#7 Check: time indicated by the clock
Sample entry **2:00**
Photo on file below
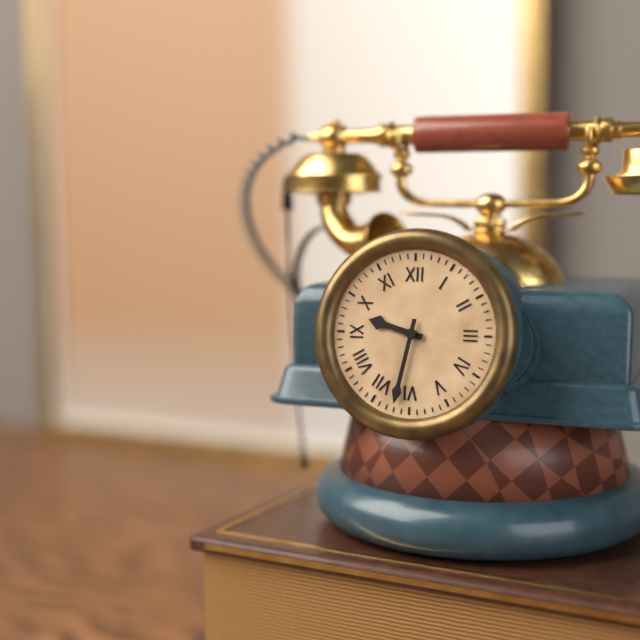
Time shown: **9:32**
